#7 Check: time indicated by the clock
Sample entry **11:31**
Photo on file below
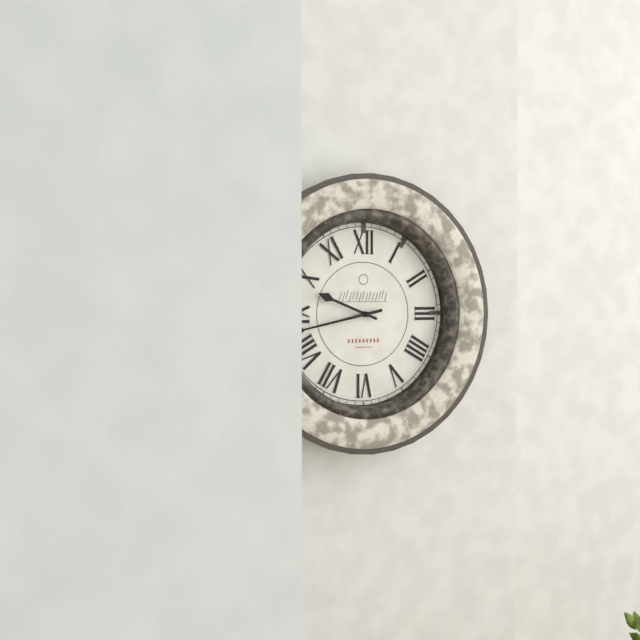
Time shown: **9:43**
